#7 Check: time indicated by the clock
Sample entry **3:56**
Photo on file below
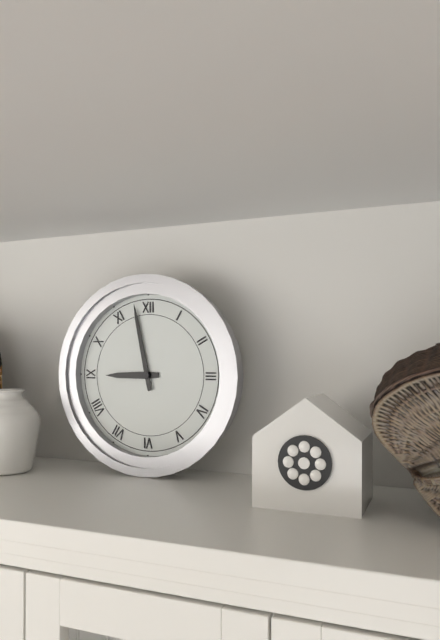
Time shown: **8:58**
